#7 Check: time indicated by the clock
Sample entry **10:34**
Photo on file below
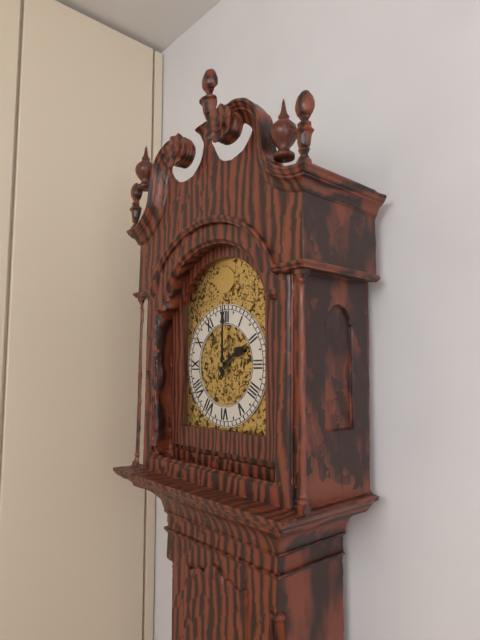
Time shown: **2:00**
